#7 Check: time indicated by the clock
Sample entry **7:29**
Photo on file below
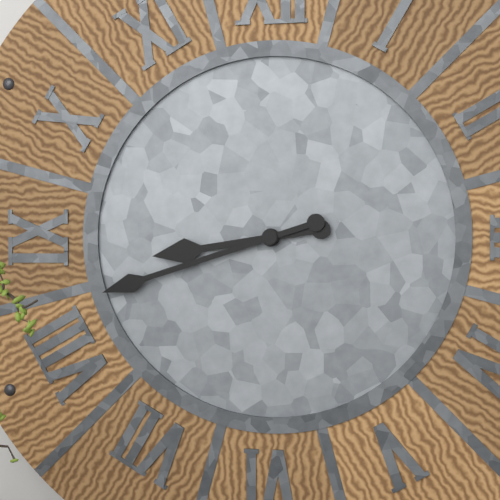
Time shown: **8:42**
